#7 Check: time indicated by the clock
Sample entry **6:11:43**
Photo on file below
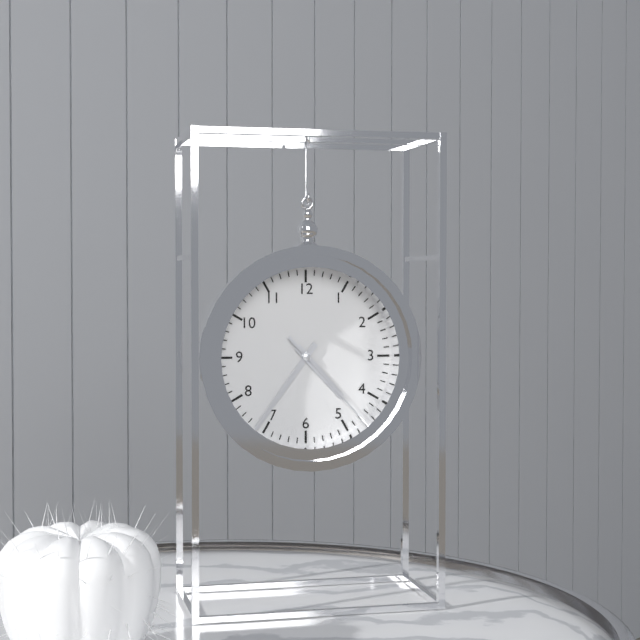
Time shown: **4:36:23**
